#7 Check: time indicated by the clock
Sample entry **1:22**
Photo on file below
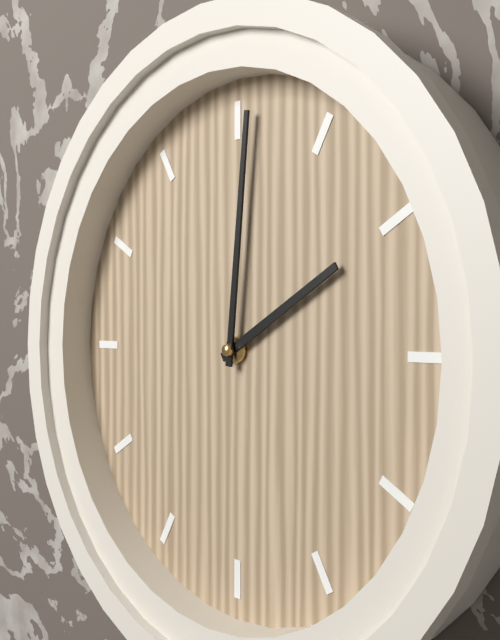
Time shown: **2:01**
